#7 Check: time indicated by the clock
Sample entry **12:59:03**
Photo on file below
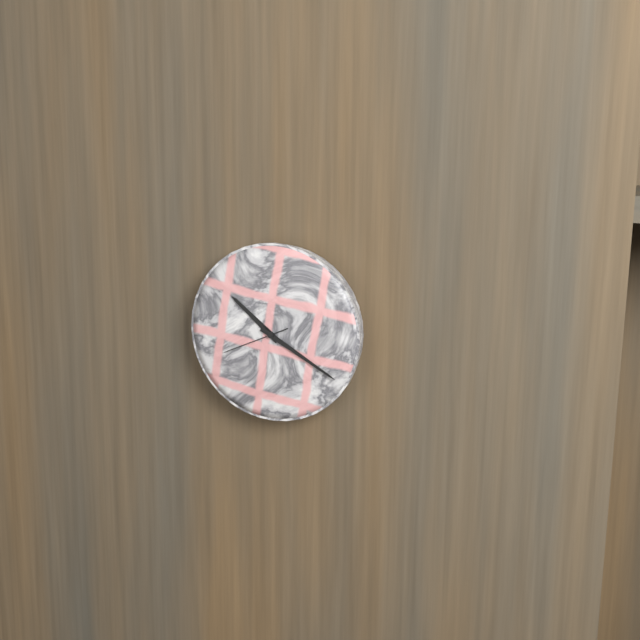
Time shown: **10:20:41**
